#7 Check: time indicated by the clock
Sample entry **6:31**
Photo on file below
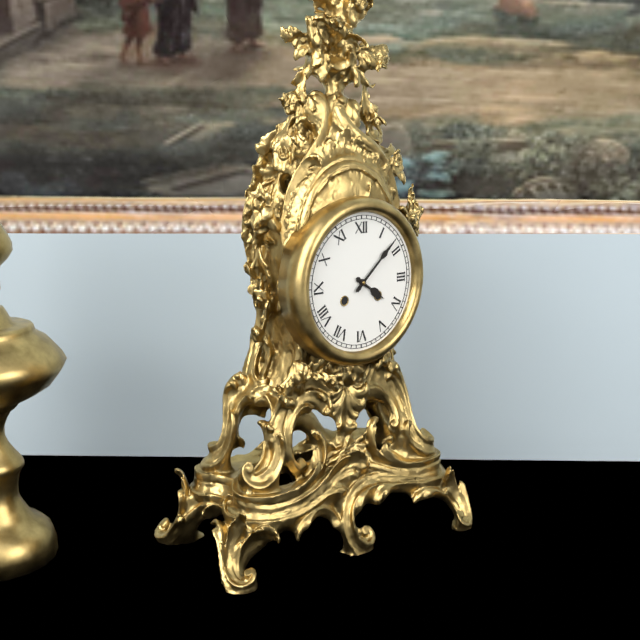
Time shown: **4:08**
